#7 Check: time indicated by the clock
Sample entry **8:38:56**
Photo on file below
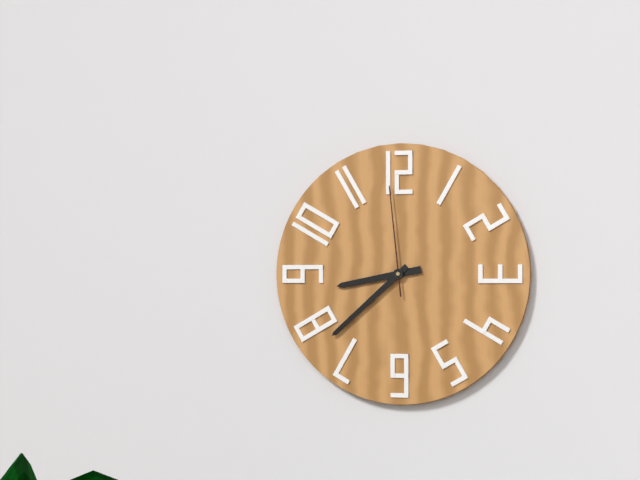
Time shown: **8:38:59**
